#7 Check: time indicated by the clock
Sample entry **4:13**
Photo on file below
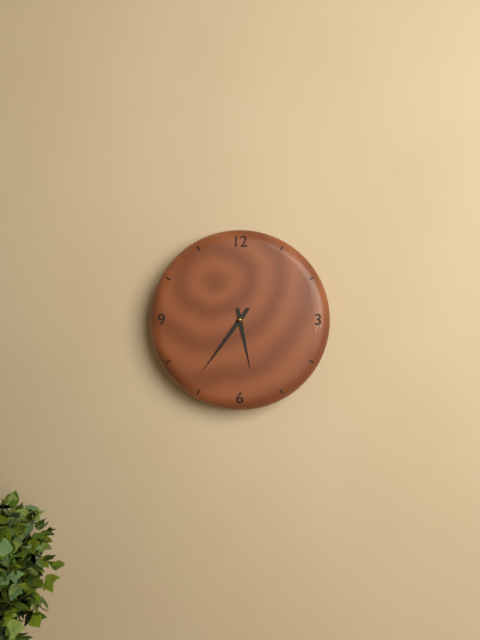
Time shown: **5:36**
